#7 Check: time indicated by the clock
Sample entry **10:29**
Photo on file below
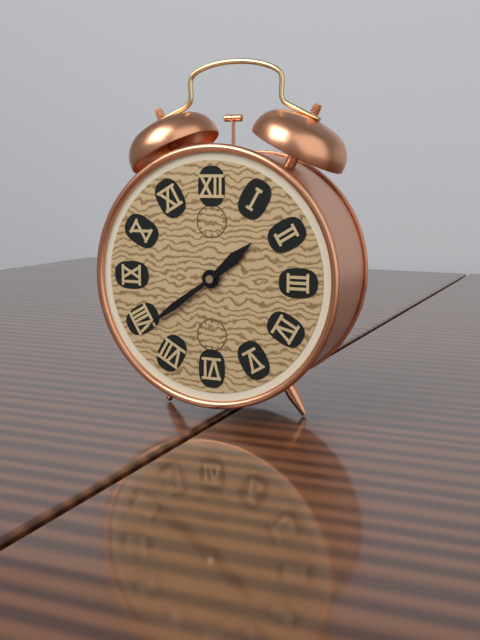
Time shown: **1:39**
